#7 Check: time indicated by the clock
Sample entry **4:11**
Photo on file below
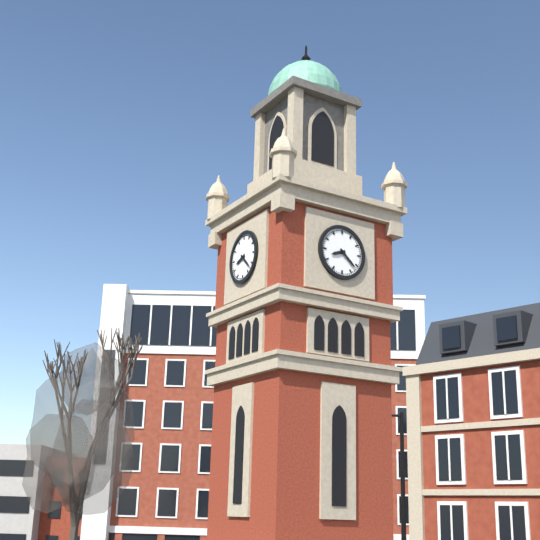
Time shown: **8:22**
